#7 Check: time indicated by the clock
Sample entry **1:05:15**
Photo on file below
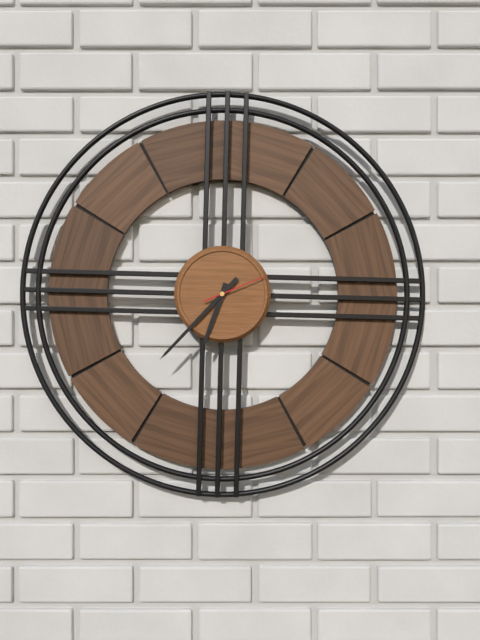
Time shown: **6:37:11**
